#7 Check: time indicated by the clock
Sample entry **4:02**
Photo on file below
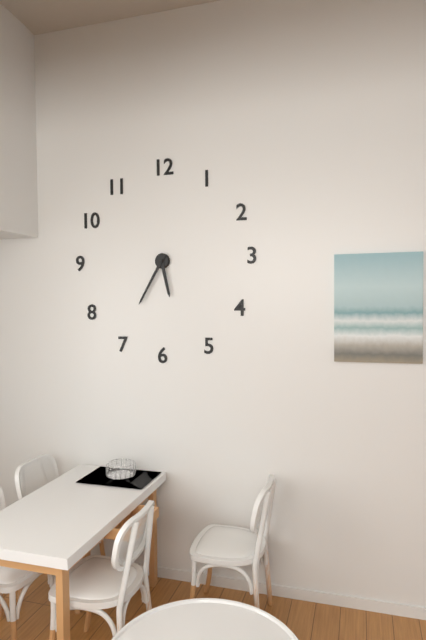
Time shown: **5:35**
